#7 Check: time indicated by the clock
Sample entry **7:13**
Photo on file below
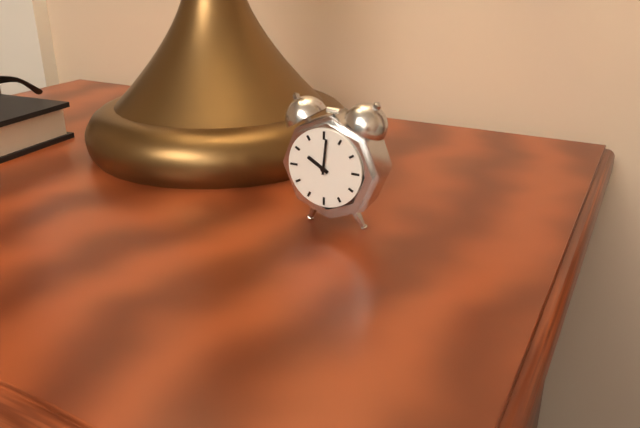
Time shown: **10:01**
